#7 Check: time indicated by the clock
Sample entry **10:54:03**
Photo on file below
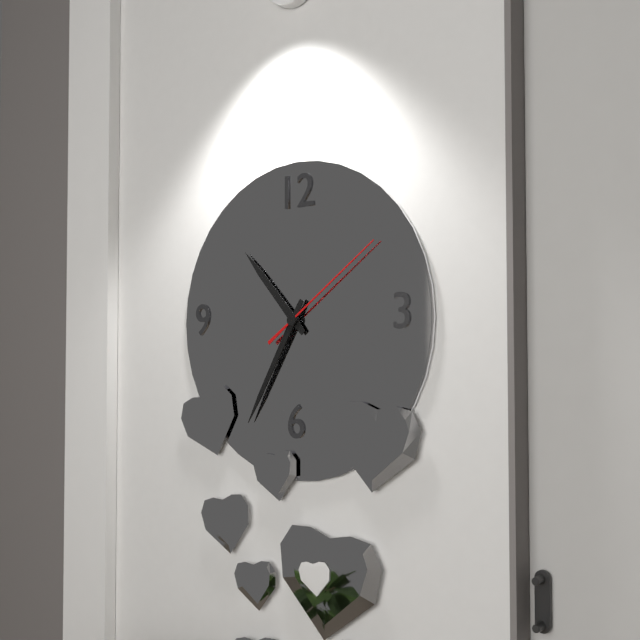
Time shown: **10:35:09**
